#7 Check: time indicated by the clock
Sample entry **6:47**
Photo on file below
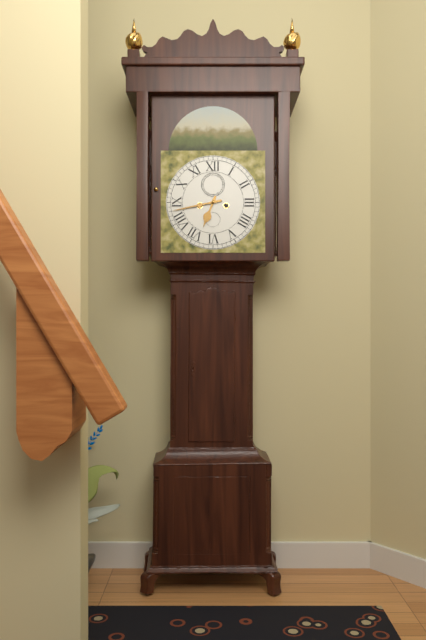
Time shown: **6:43**
